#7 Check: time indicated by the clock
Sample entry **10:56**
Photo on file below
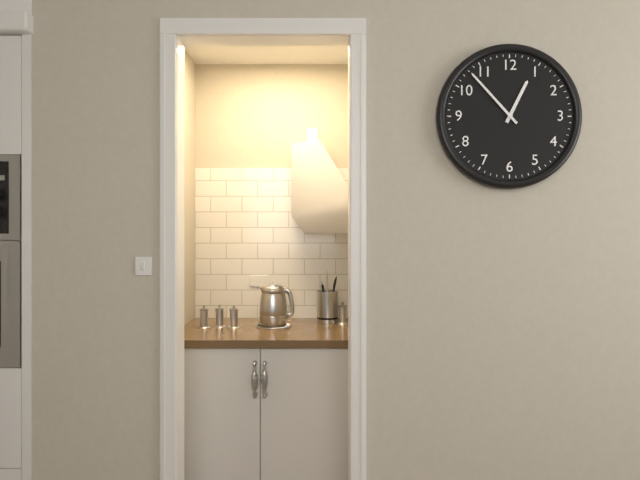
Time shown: **12:53**
